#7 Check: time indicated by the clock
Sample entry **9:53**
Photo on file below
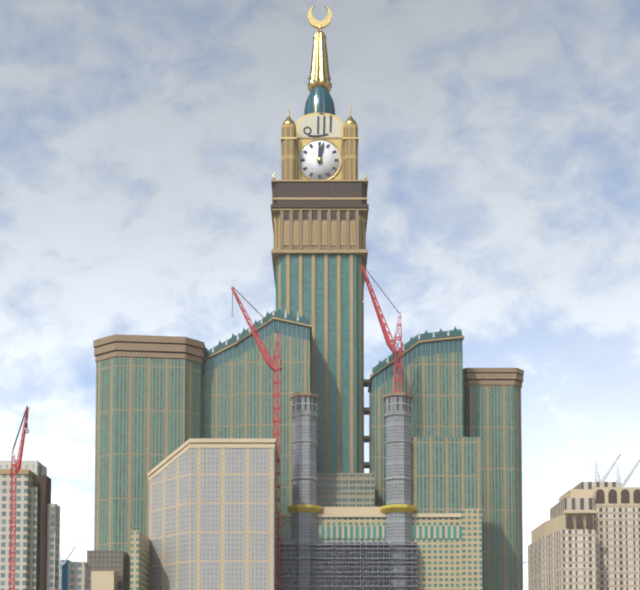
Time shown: **12:02**
